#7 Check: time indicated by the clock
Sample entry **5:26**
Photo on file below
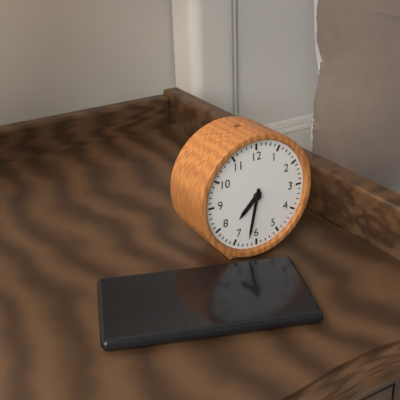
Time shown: **7:32**
